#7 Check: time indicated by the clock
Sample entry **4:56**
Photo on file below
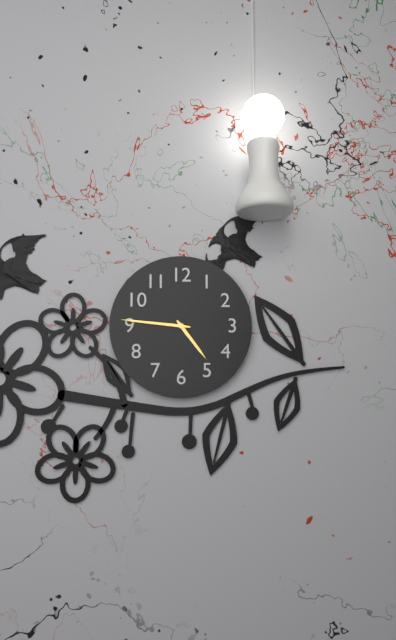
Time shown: **4:46**
